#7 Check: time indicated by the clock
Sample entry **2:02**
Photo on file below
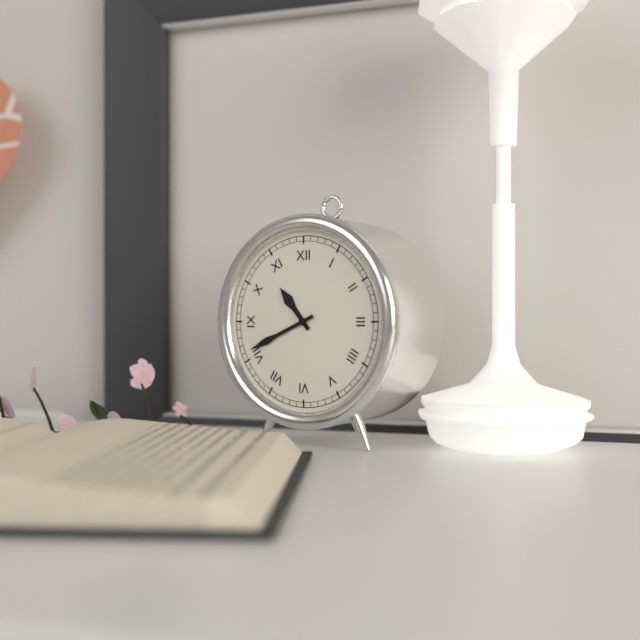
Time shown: **10:41**
